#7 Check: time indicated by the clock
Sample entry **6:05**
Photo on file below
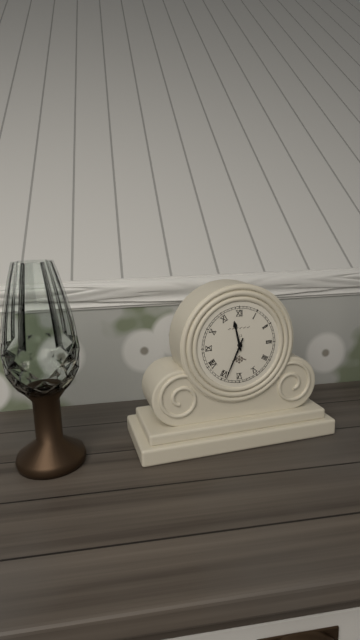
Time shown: **11:34**
